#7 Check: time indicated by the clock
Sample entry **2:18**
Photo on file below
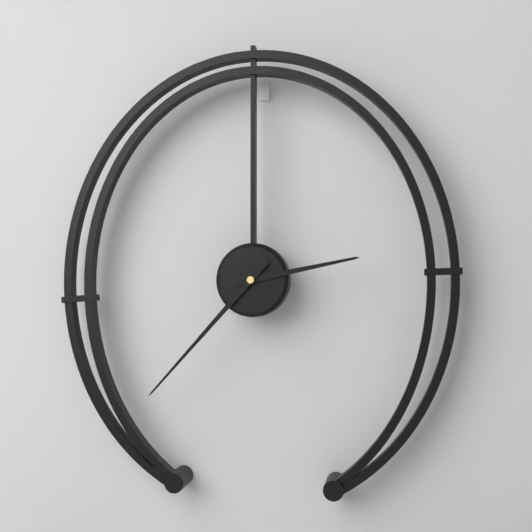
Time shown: **2:37**
